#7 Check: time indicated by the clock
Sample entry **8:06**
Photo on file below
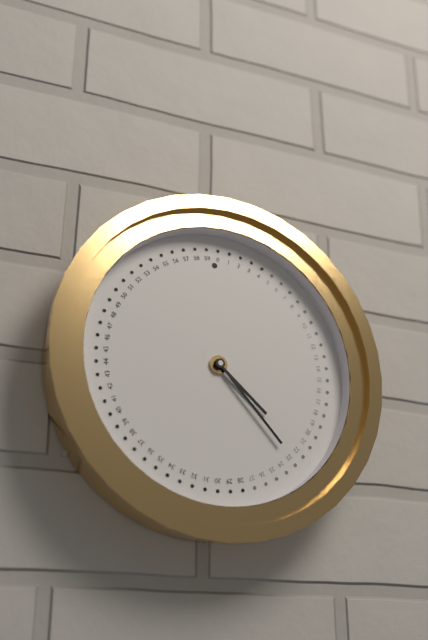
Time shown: **4:23**
